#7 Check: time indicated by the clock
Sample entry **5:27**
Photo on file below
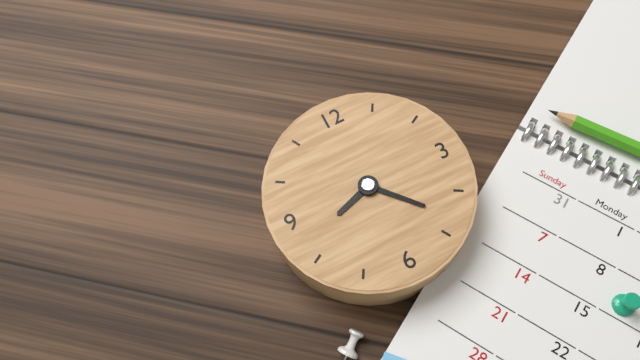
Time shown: **8:23**
